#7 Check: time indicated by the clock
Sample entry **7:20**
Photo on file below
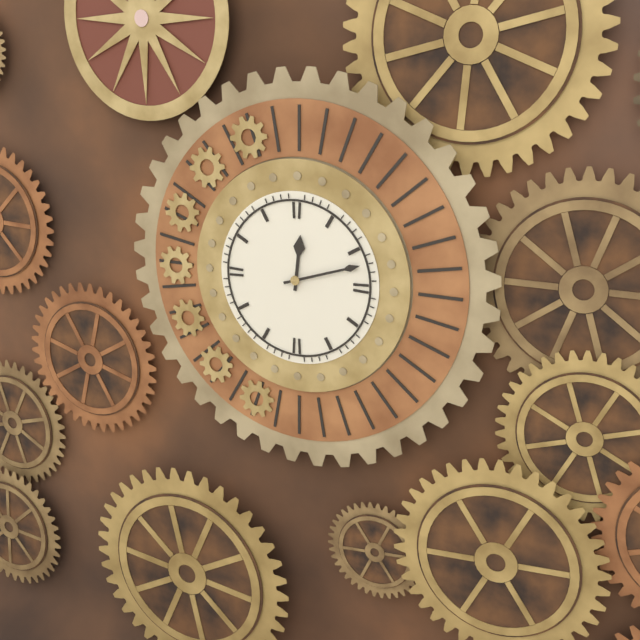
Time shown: **12:12**
